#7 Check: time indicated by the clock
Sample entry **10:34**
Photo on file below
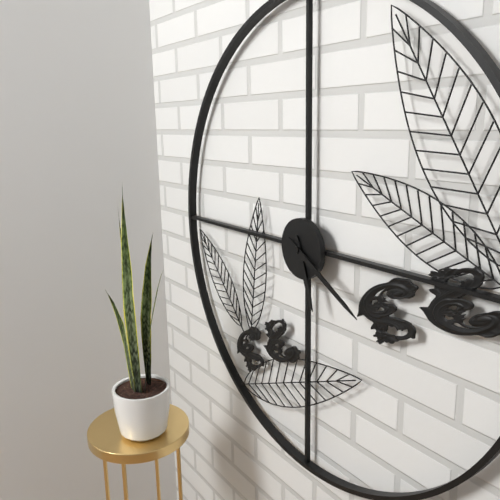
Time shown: **5:20**
